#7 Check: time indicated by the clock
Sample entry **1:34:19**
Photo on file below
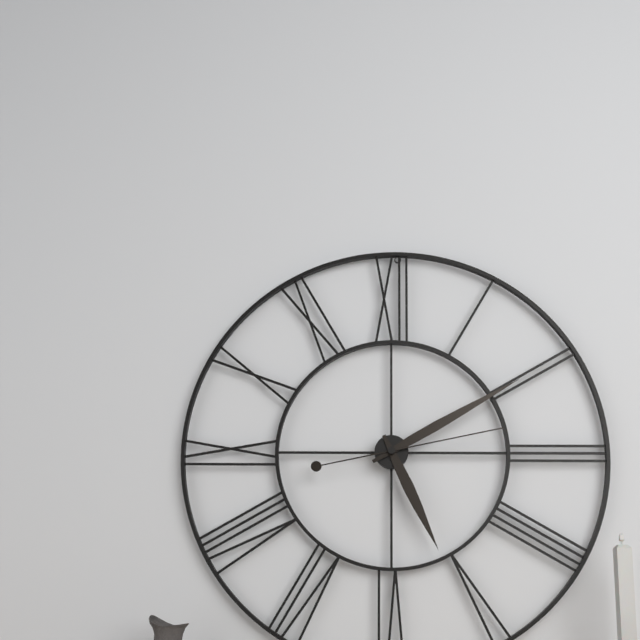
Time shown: **5:10:13**
